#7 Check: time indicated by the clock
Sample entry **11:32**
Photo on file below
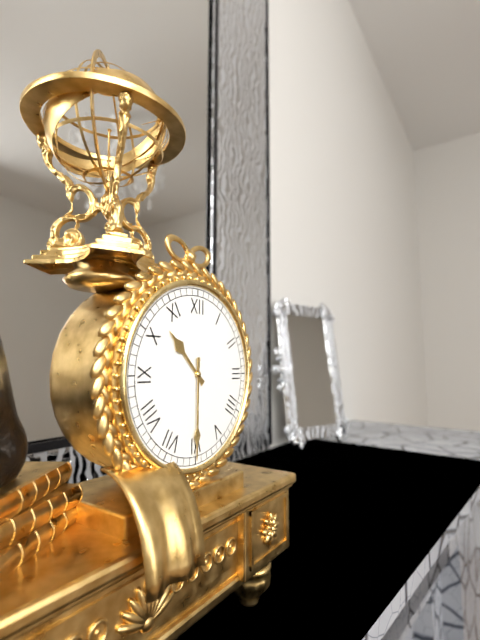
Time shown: **10:30**
